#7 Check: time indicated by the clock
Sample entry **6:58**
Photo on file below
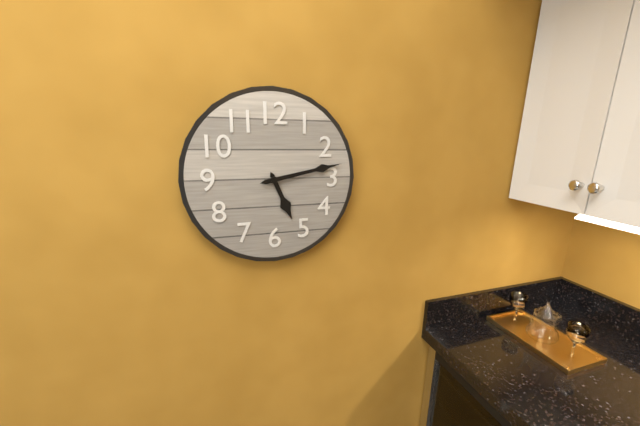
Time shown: **5:13**
